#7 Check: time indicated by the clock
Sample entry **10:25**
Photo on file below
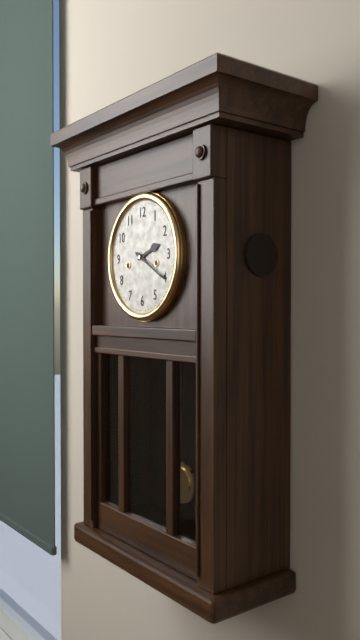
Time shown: **2:20**
